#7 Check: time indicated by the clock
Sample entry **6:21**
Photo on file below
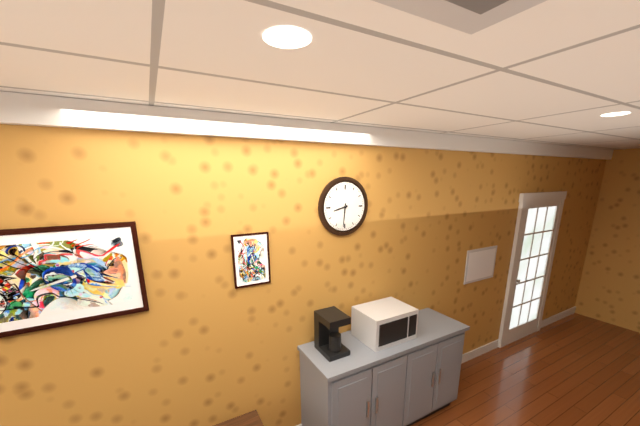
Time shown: **8:31**
